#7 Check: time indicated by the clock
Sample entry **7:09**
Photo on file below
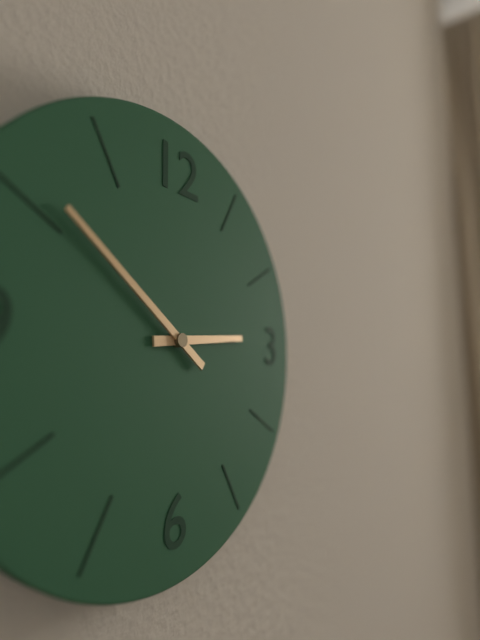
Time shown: **2:51**
